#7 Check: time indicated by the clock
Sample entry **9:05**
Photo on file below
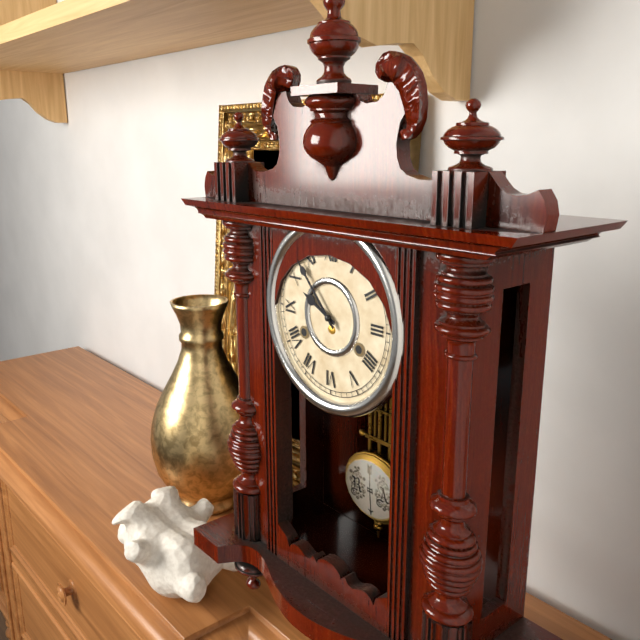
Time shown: **9:53**
